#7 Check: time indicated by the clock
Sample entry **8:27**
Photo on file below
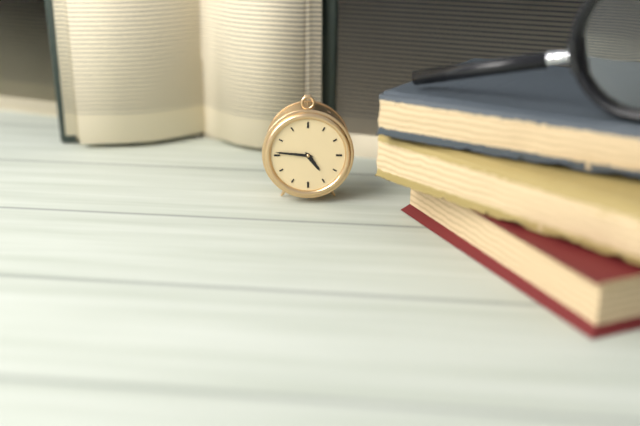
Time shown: **4:46**
